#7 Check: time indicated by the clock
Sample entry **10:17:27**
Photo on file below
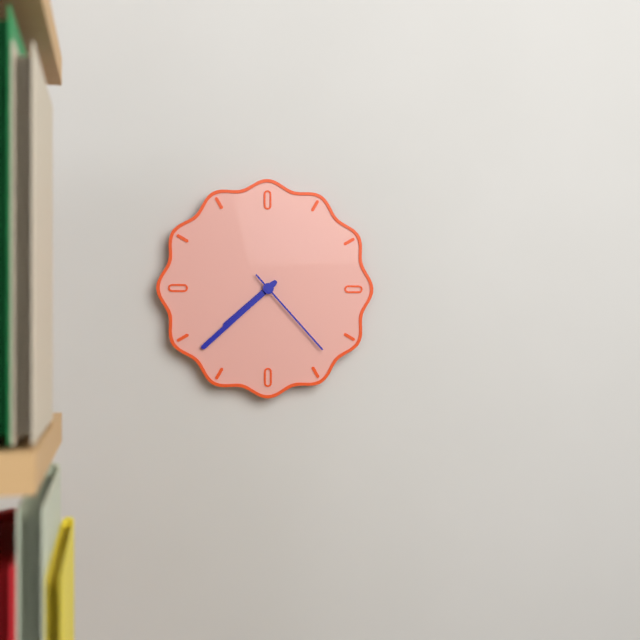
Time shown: **7:38:23**
